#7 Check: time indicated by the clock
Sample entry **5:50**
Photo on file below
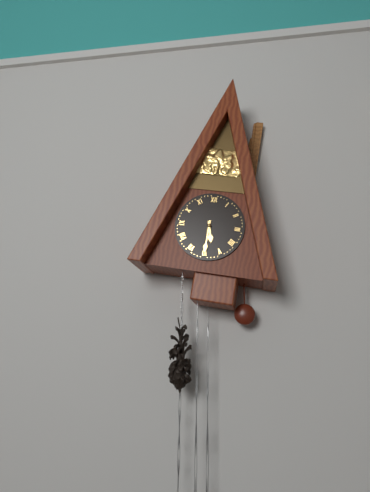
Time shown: **5:30**
